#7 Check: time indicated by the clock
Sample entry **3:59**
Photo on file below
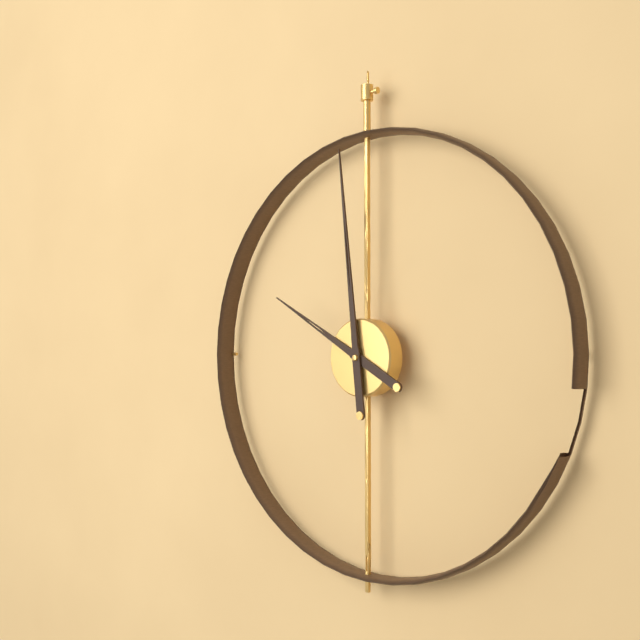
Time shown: **9:59**
